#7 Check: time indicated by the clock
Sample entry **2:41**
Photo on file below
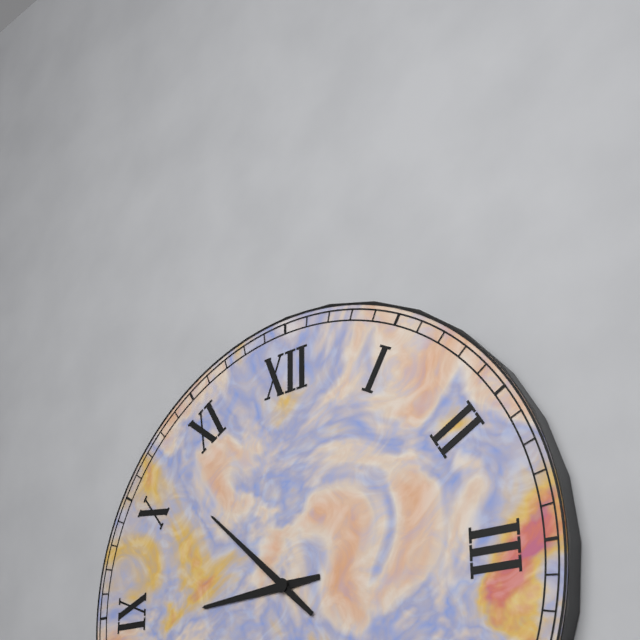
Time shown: **8:52**
